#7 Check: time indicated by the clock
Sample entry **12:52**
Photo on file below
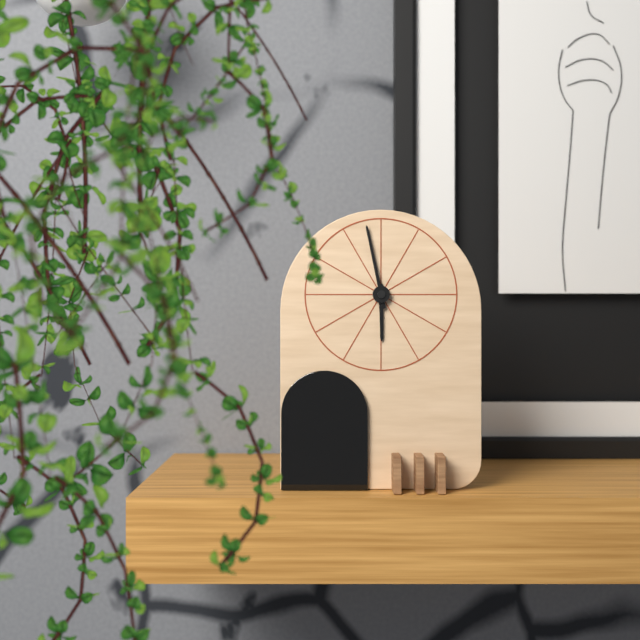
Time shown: **5:58**
